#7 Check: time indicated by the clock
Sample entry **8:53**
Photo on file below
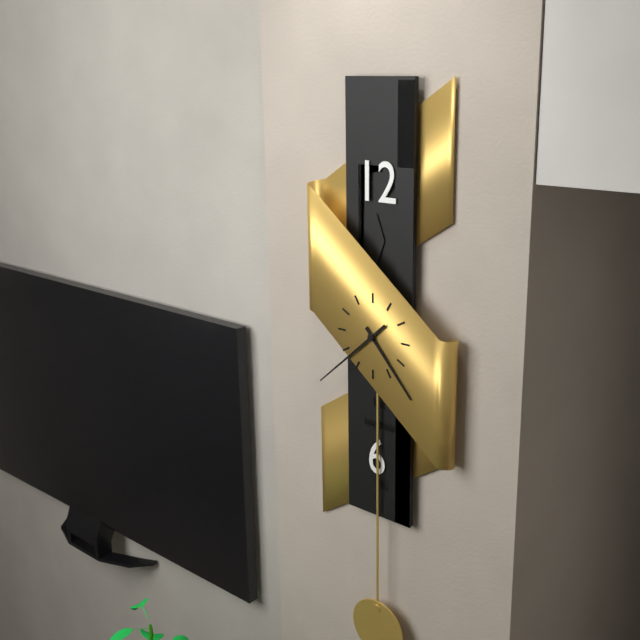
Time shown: **4:38**
